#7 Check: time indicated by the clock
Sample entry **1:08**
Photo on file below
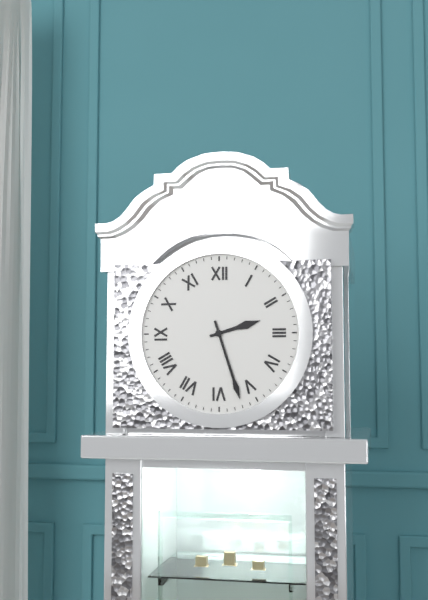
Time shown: **2:27**
